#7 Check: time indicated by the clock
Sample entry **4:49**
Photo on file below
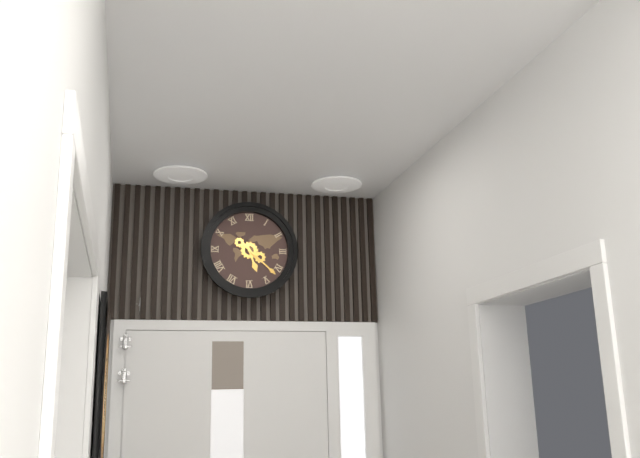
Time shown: **5:22**
